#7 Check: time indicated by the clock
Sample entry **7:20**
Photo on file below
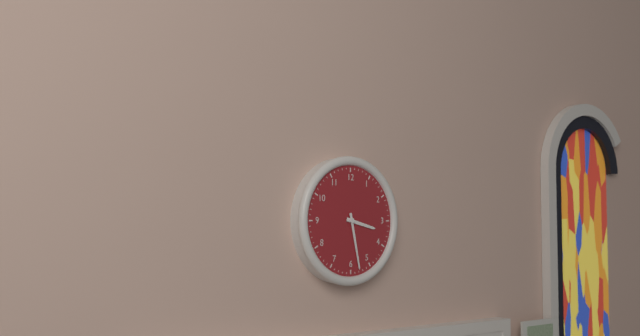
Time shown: **3:28**
